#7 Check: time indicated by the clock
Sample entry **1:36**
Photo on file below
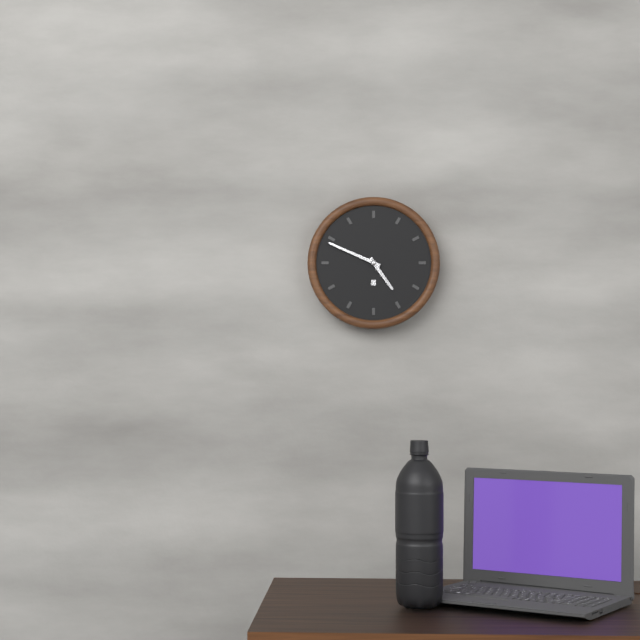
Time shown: **4:49**
